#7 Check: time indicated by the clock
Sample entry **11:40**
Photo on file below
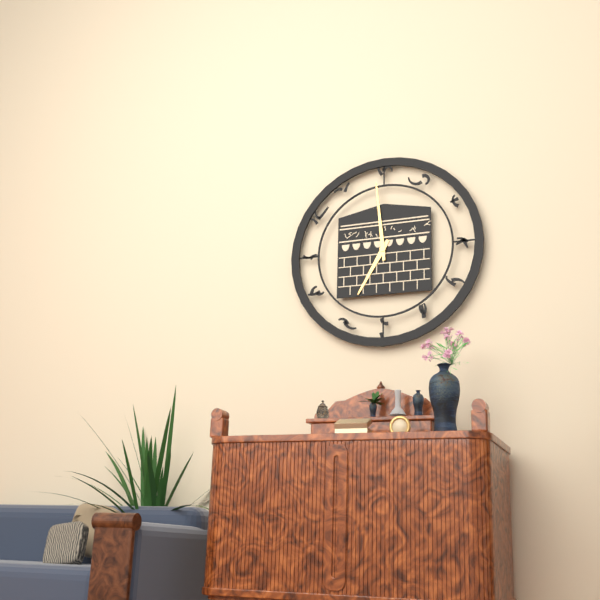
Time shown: **6:59**
